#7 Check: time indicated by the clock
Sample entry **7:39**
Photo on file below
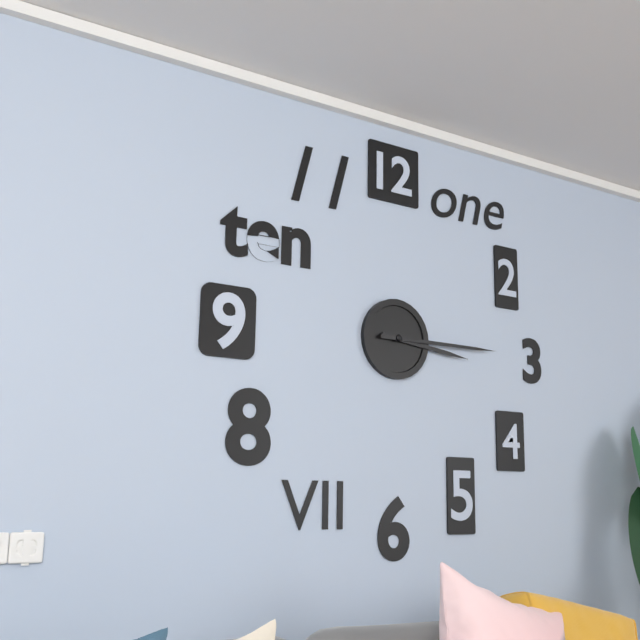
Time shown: **3:15**
